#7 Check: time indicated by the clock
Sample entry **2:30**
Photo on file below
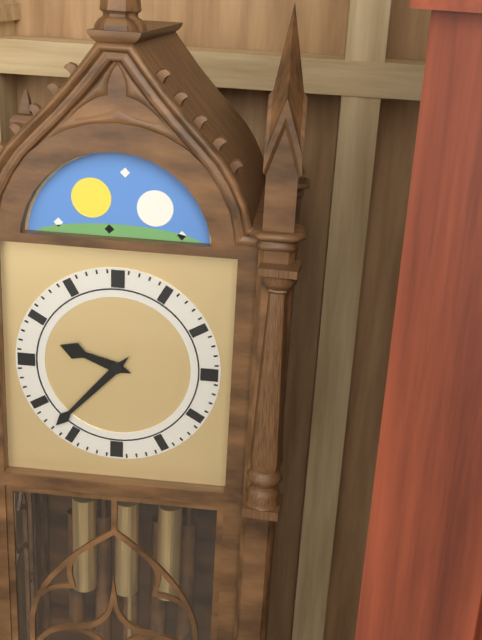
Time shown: **9:37**
